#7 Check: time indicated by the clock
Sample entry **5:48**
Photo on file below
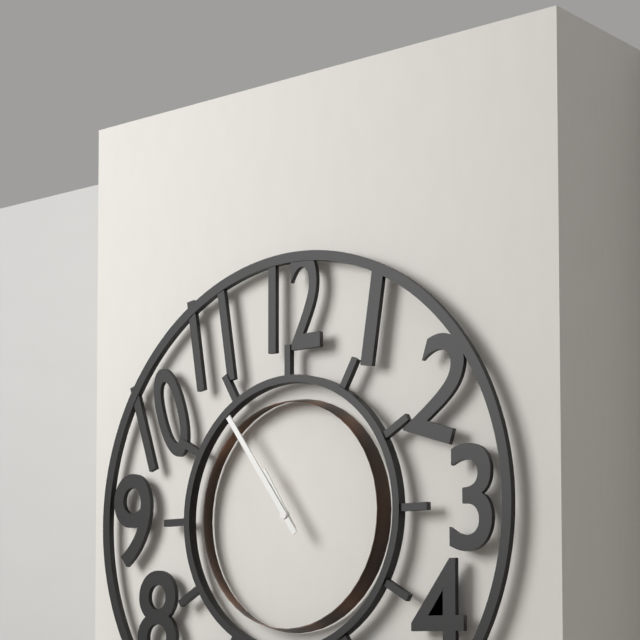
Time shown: **10:54**
